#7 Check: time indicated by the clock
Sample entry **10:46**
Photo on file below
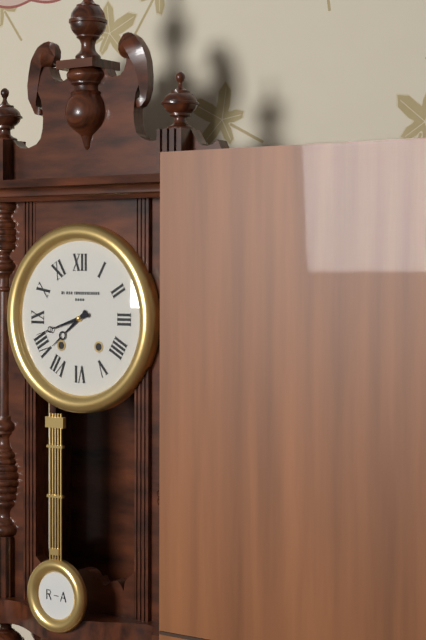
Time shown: **7:42**
